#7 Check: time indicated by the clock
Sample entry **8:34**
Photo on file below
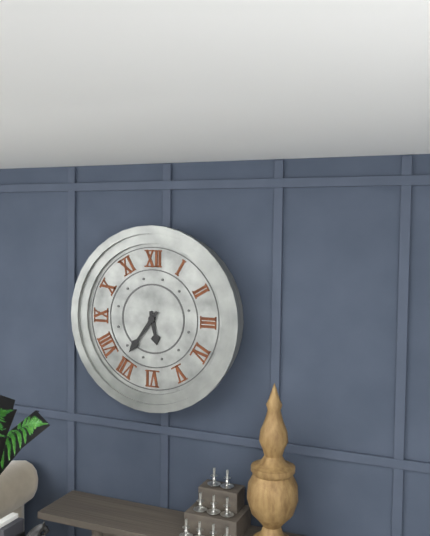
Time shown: **5:36**
